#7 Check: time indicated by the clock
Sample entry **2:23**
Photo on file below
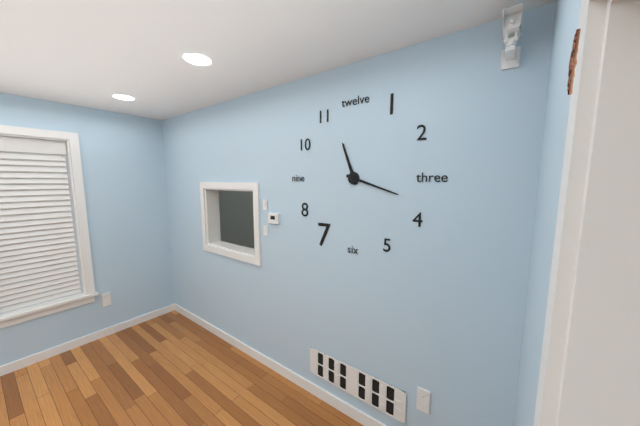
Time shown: **11:18**
